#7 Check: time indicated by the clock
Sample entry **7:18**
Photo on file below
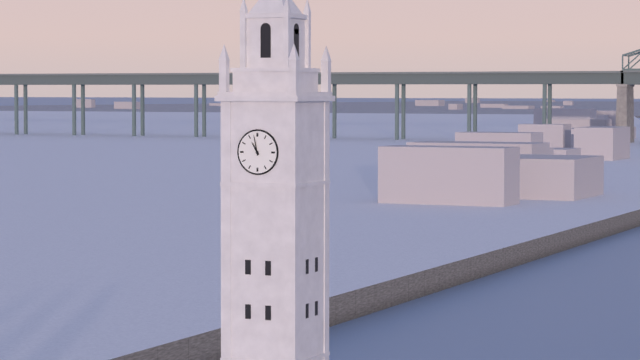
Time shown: **10:58**
